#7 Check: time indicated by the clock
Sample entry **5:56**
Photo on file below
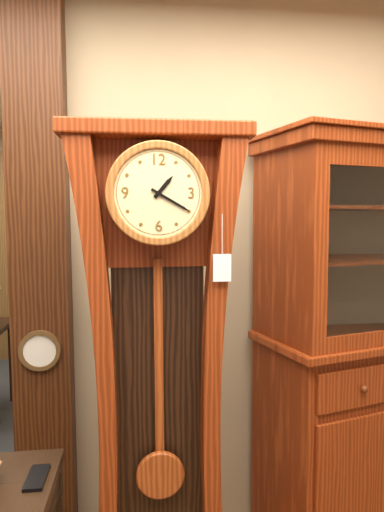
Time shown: **1:20**
